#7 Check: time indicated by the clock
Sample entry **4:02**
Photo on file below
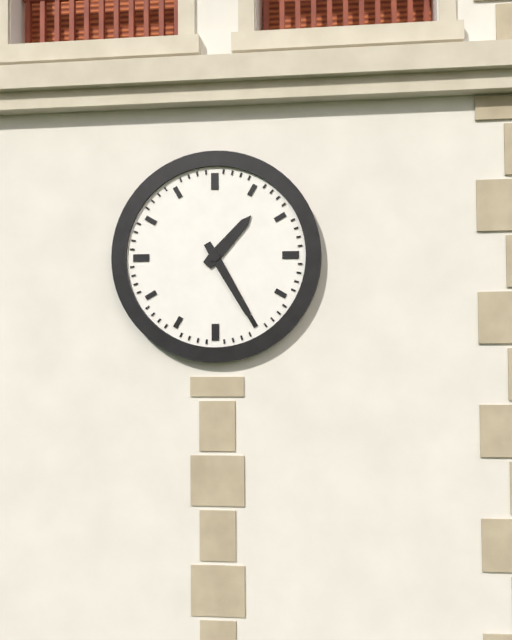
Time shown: **1:25**
